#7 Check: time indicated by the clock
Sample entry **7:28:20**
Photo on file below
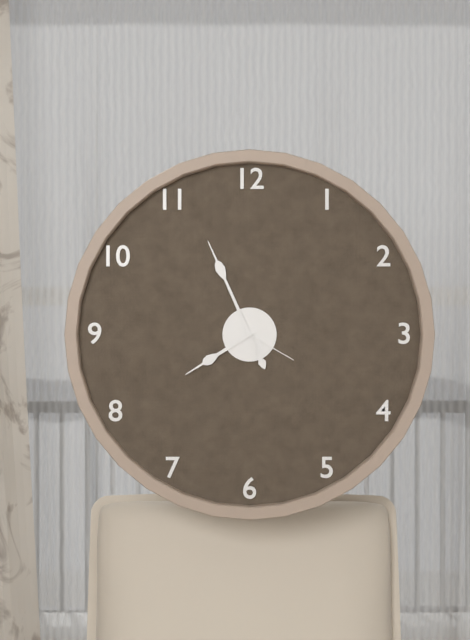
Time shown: **7:56:20**
